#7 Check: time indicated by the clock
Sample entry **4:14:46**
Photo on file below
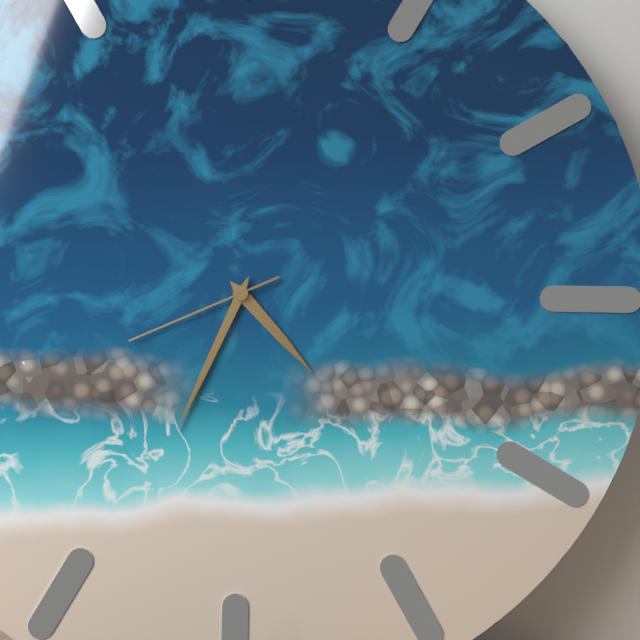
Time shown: **4:34:41**
